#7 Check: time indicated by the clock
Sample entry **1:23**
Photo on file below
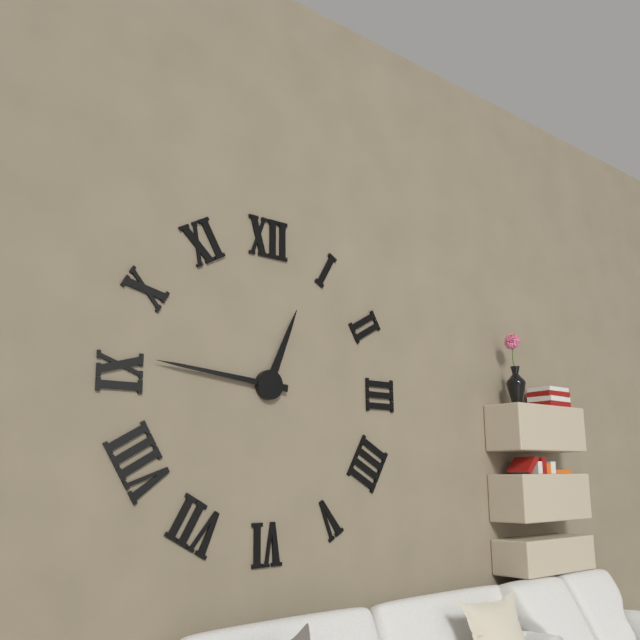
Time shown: **12:46**
